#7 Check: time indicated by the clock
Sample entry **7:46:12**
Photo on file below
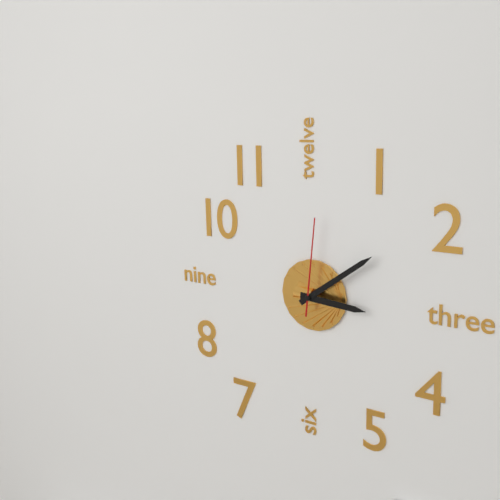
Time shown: **3:09:01**
